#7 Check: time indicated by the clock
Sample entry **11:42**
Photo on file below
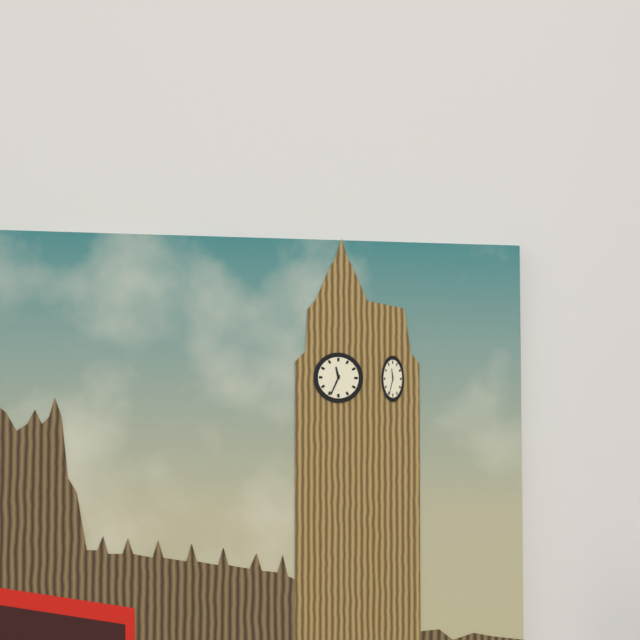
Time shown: **11:34**
